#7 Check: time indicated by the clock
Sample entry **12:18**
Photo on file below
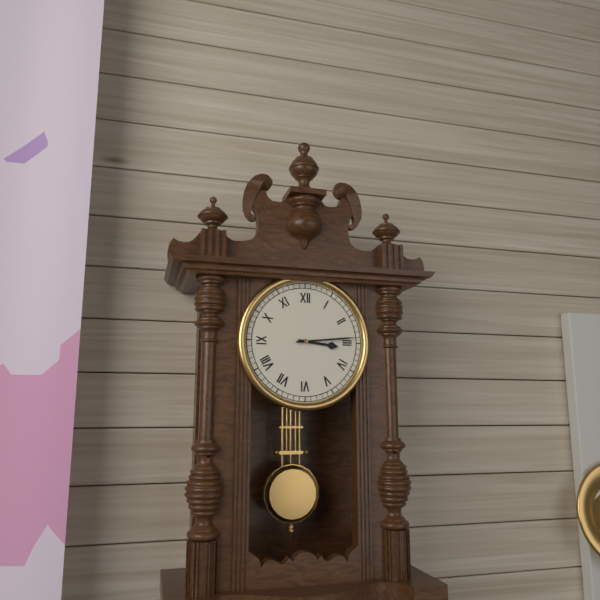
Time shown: **3:14**
